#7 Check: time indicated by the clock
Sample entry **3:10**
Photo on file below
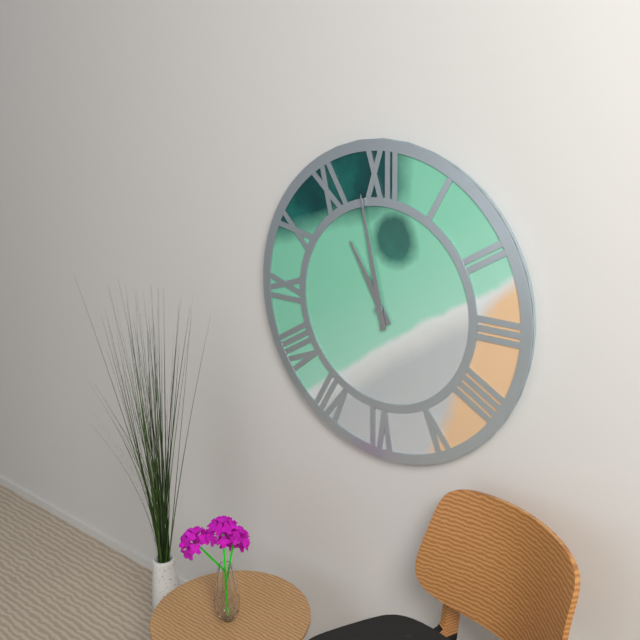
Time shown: **10:58**
